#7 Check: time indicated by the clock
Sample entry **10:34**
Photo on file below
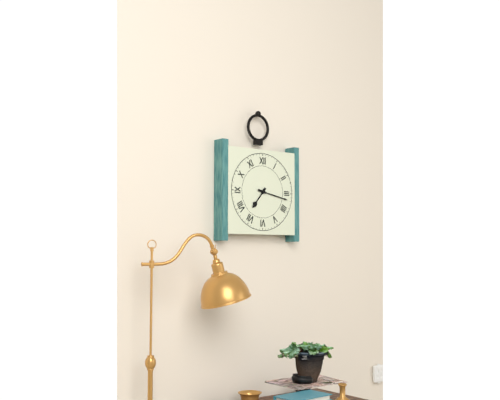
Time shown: **7:17**
